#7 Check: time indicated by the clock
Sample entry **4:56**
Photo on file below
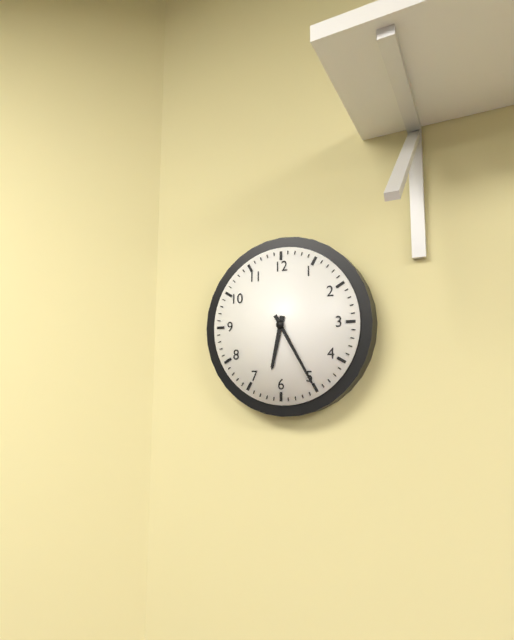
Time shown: **6:25**
